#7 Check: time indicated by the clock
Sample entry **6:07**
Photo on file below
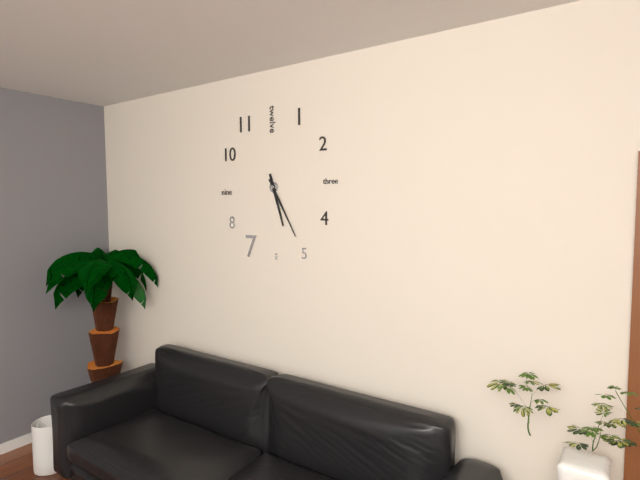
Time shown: **5:25**
